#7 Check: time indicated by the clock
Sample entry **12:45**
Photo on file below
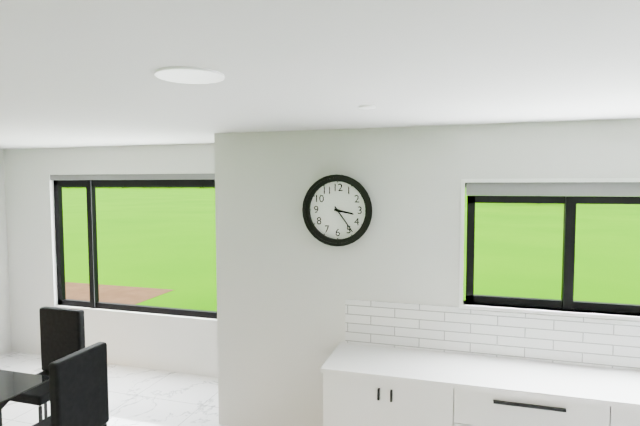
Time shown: **3:24**
